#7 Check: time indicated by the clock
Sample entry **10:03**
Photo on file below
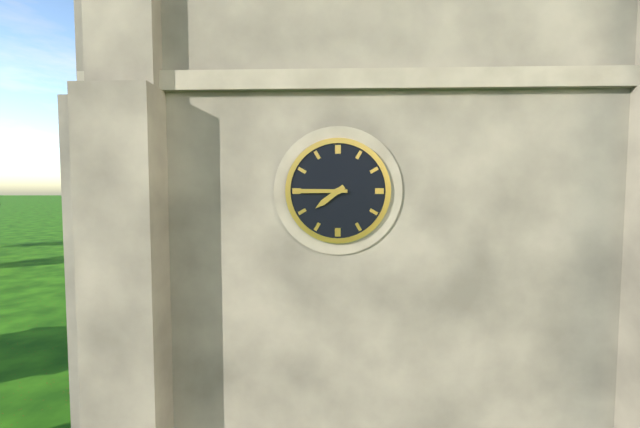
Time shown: **7:45**
